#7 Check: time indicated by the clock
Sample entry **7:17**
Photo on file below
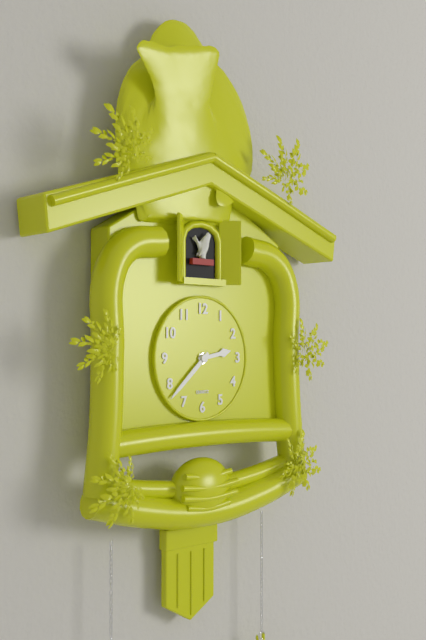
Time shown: **2:38**
